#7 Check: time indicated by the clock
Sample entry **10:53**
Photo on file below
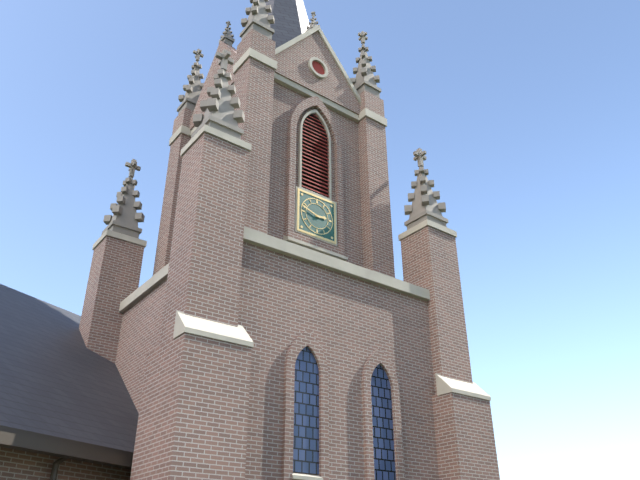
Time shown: **2:48**
